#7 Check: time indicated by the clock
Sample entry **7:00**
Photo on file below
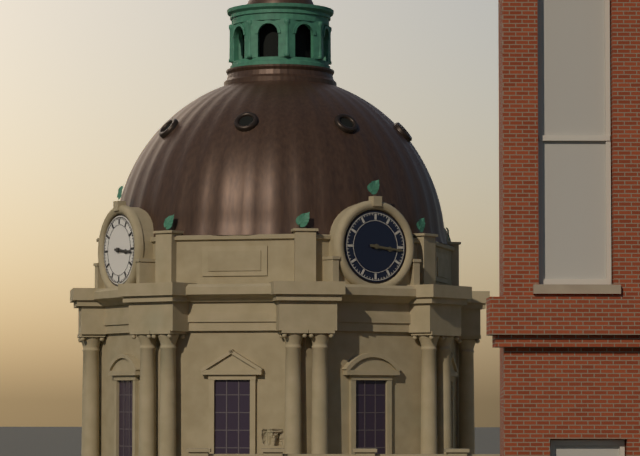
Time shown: **3:16**
